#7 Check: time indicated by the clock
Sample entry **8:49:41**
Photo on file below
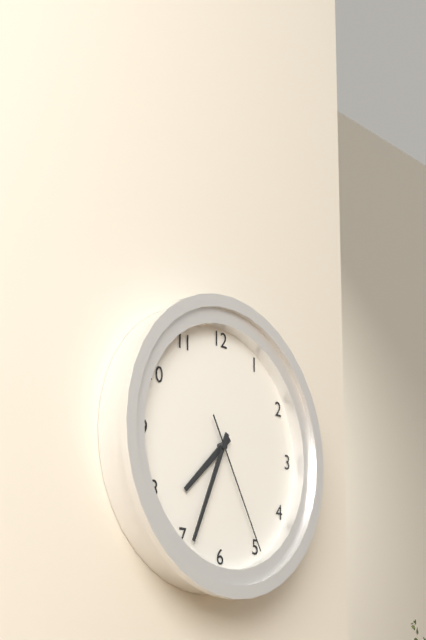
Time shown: **7:34:25**
